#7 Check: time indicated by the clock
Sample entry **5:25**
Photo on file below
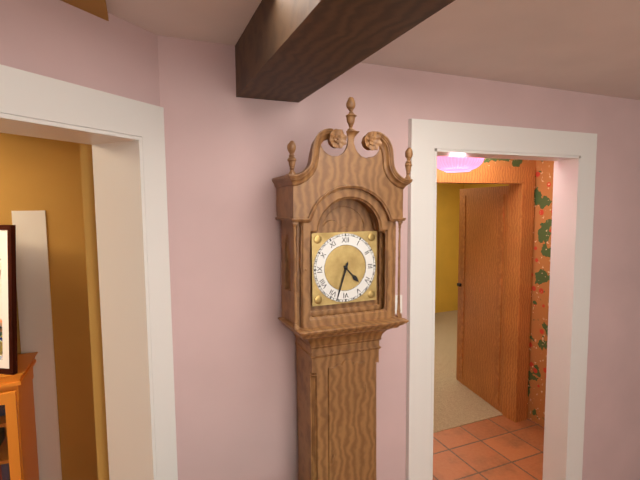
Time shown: **4:33**
